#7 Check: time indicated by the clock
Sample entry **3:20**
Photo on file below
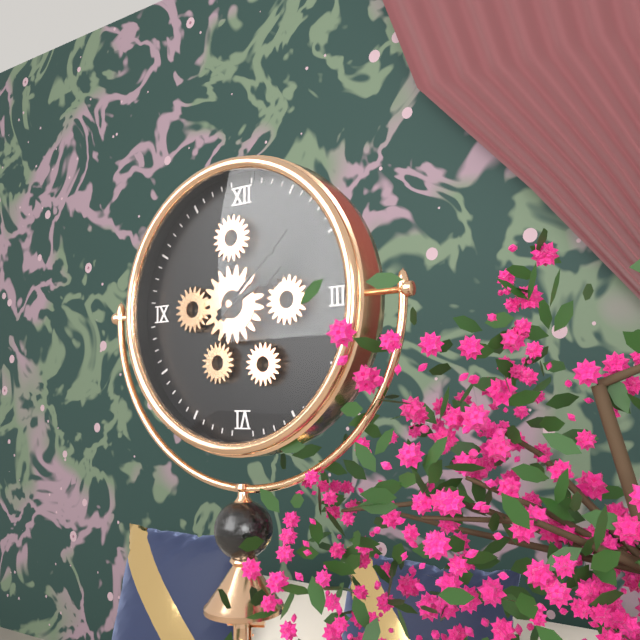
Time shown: **2:08**
